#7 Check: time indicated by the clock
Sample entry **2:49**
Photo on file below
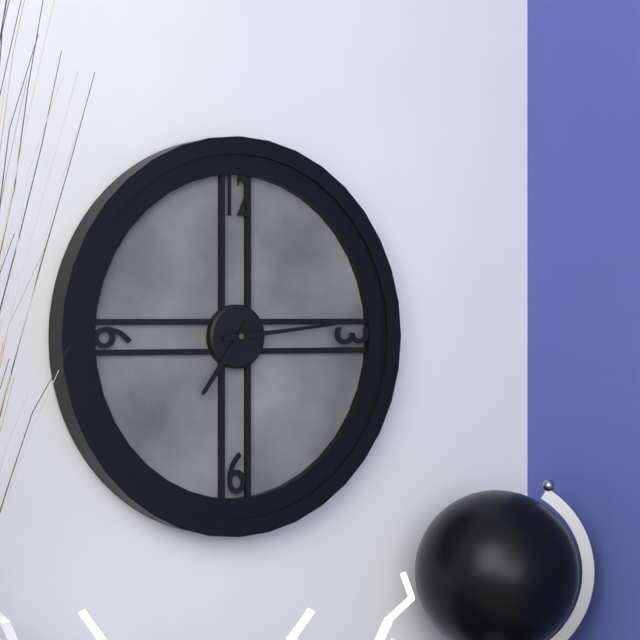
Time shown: **7:14**
